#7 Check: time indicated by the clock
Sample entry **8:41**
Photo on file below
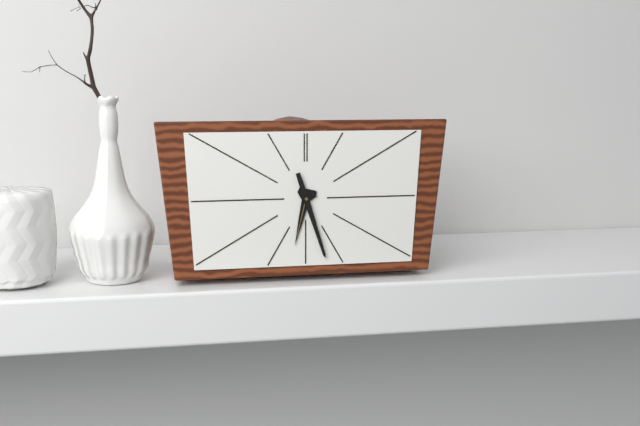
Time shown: **6:27**
